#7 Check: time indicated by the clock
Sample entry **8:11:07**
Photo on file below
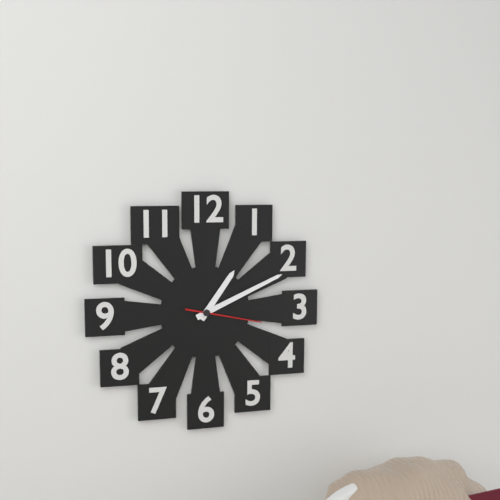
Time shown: **1:11:17**
